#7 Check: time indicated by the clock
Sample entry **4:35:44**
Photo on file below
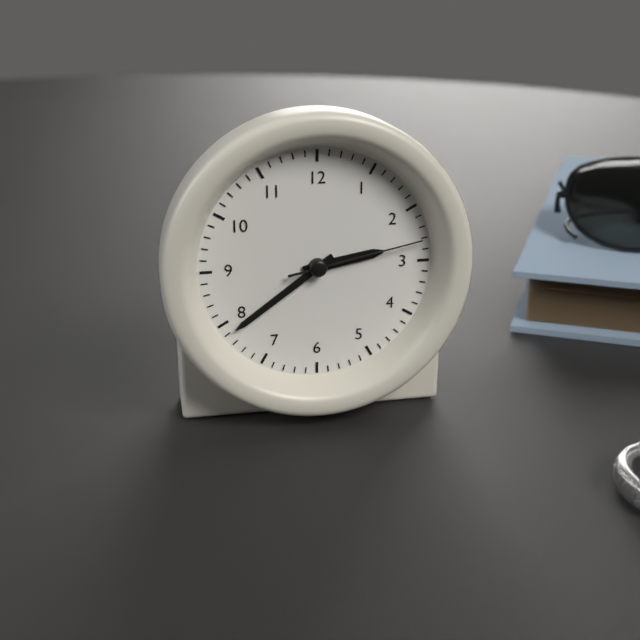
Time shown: **2:39:13**
